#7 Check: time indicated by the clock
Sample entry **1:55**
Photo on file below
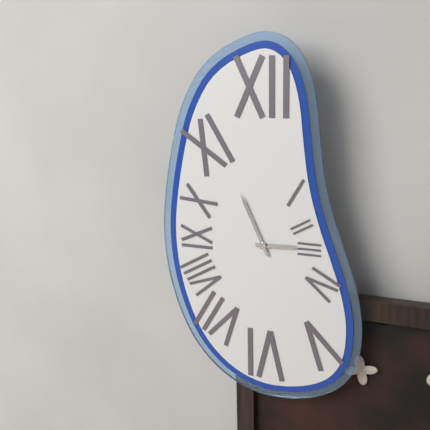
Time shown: **2:56**
